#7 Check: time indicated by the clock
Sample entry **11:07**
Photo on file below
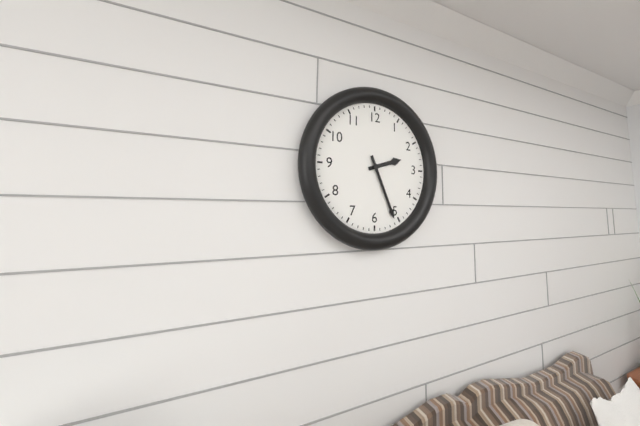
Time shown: **2:26**
